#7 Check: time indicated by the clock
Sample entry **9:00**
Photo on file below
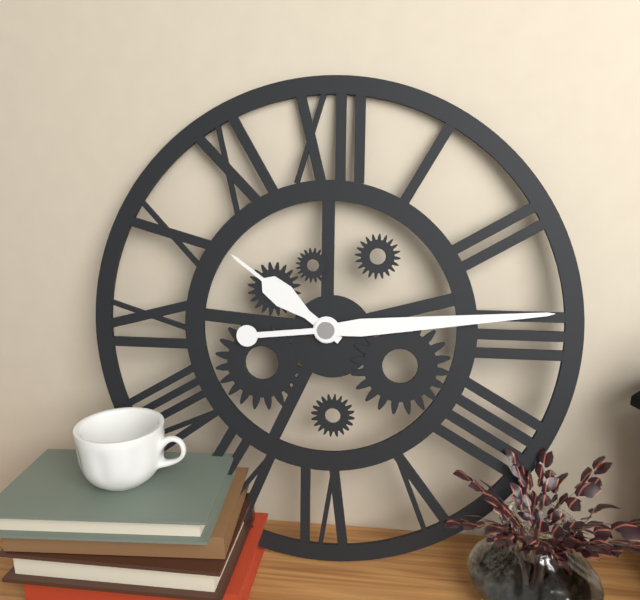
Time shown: **10:14**
